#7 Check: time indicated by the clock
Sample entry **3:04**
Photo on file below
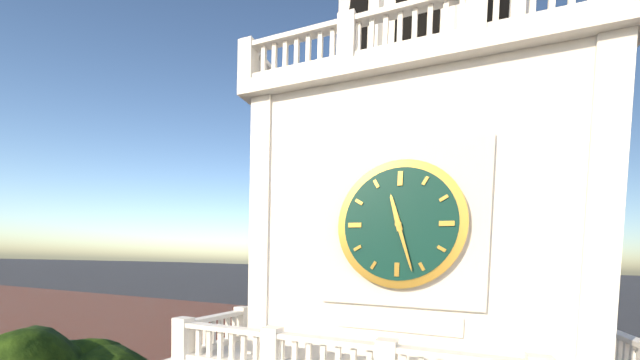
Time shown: **11:27**
